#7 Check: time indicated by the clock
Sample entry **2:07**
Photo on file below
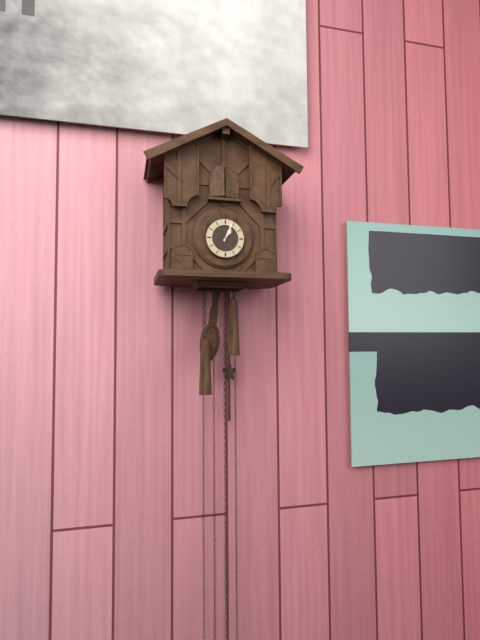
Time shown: **1:04**
